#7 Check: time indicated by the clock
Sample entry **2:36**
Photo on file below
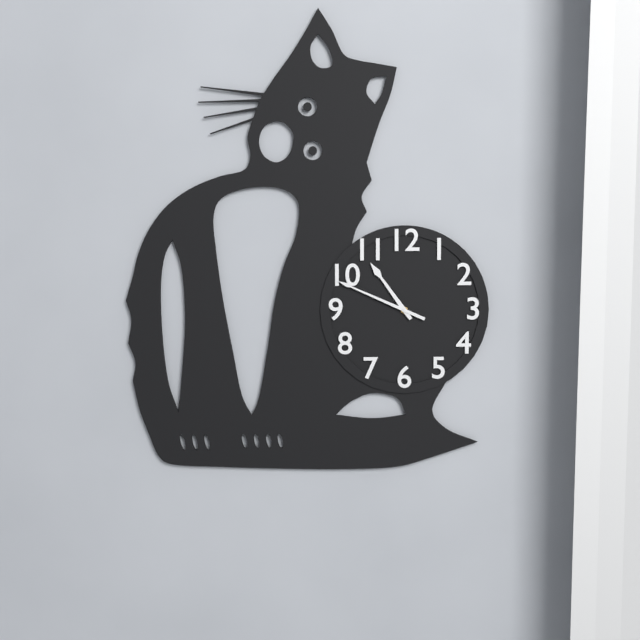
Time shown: **10:49**
